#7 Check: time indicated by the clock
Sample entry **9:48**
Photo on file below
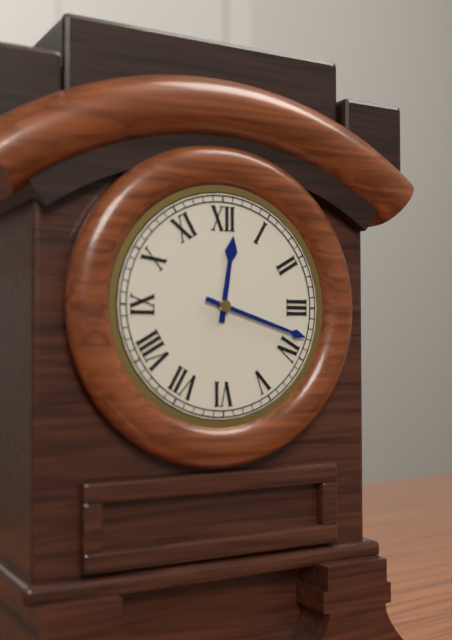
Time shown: **12:18**
